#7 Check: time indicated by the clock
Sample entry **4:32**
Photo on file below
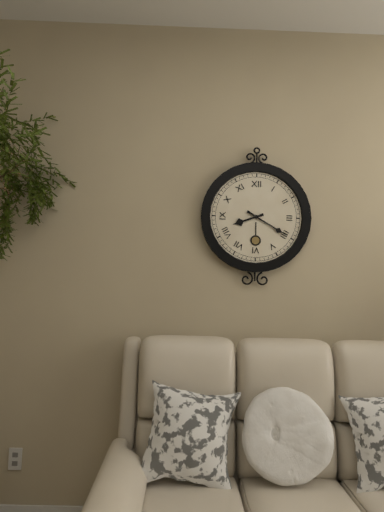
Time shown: **8:20**
